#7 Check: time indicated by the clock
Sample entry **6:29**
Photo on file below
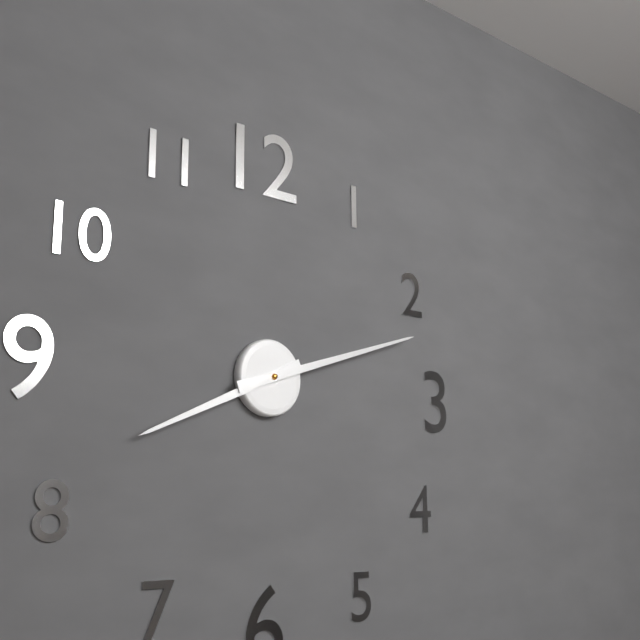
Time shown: **8:12**
